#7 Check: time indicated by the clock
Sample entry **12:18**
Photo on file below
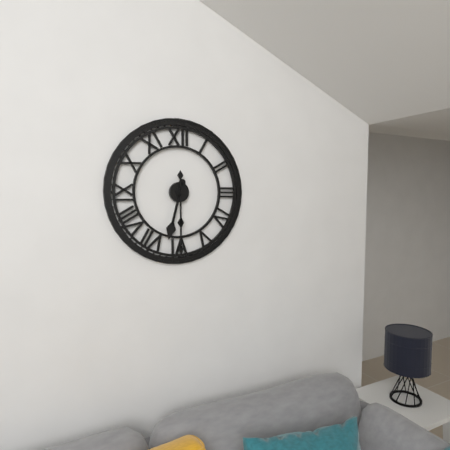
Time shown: **6:30**
